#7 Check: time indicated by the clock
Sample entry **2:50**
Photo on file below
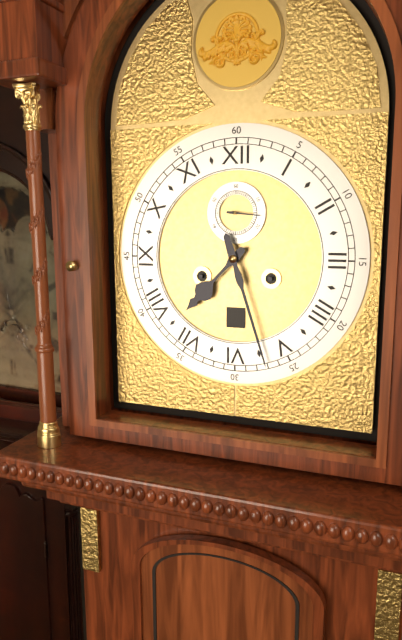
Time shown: **7:27**
